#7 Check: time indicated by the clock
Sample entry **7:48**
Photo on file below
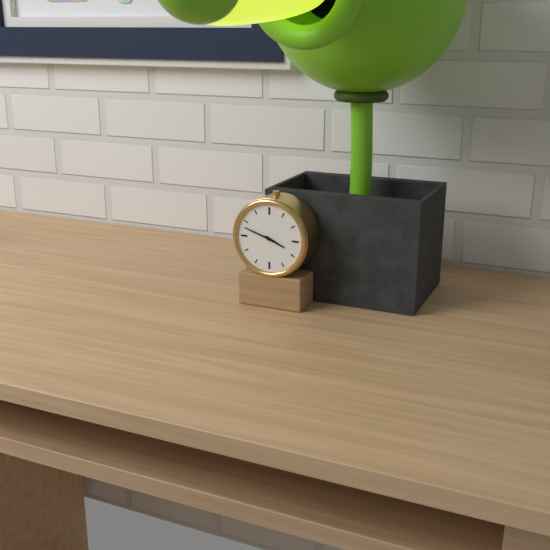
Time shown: **3:48**
